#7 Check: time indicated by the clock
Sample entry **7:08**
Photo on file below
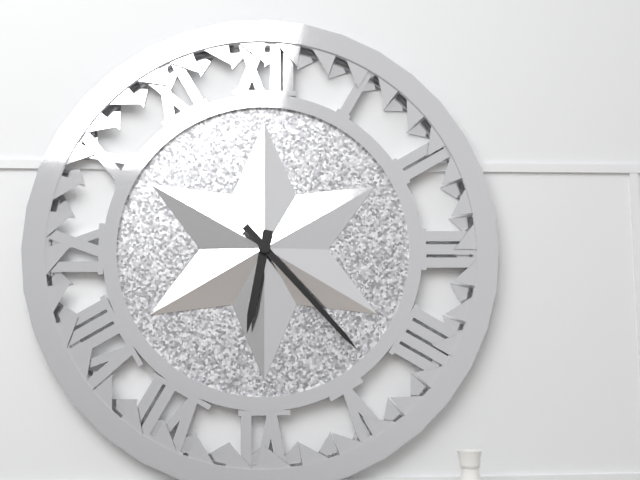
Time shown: **6:23**
